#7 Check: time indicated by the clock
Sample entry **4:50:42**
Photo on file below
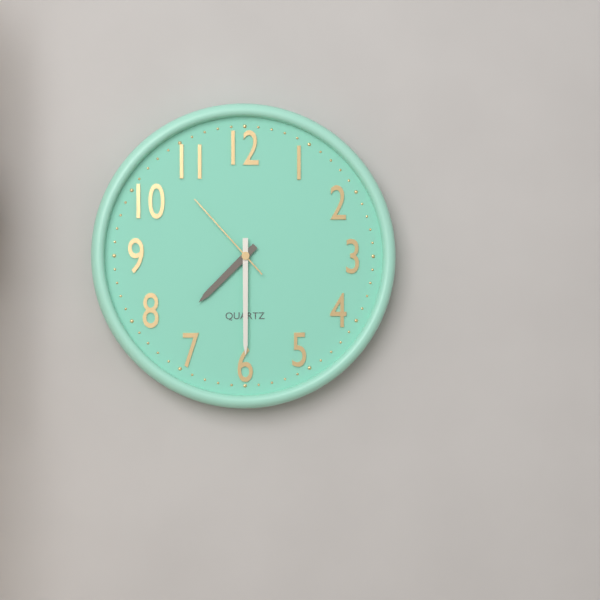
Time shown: **7:30:53**
